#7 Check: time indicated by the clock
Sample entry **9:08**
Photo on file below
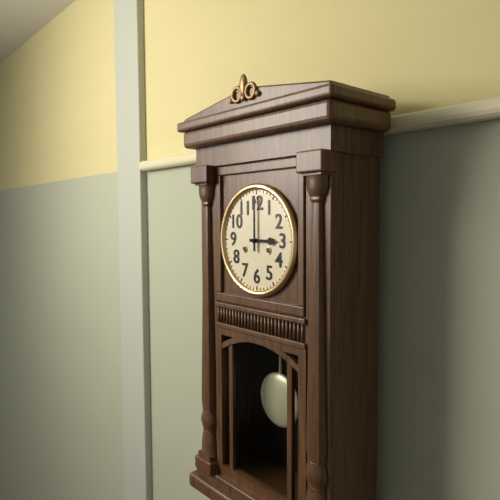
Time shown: **3:00**
